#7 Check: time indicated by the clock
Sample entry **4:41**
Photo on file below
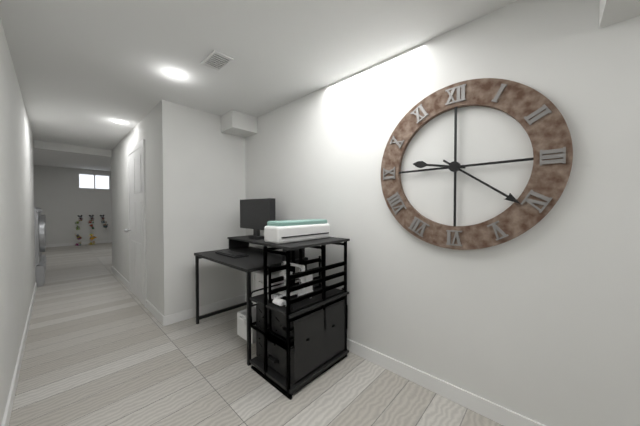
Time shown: **9:21**
